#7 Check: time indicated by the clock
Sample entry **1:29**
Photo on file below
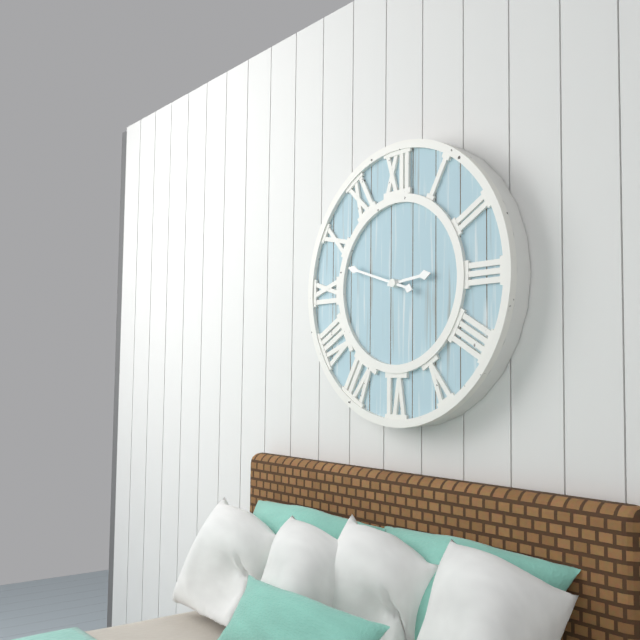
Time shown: **2:48**
